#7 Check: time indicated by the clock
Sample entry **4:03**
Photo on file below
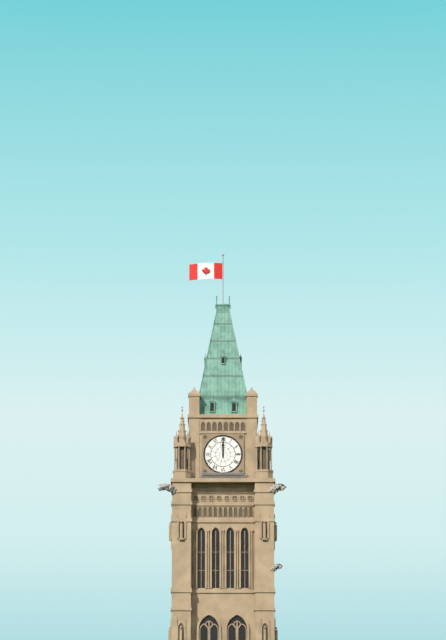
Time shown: **12:00**
